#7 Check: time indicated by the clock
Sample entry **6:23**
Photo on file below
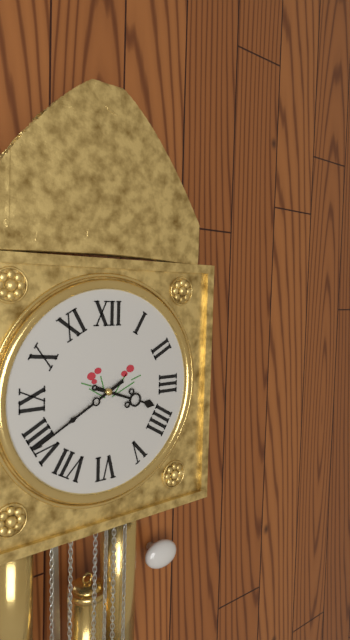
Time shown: **3:40**
